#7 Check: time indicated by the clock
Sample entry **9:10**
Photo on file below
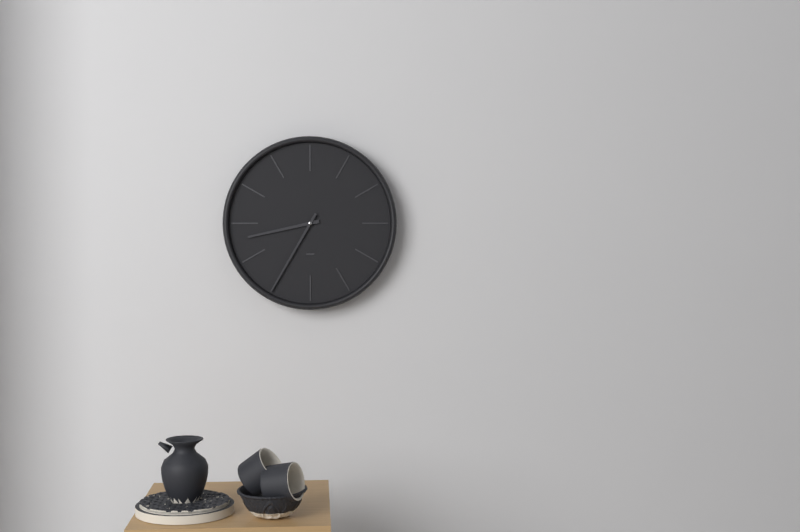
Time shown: **8:35**
